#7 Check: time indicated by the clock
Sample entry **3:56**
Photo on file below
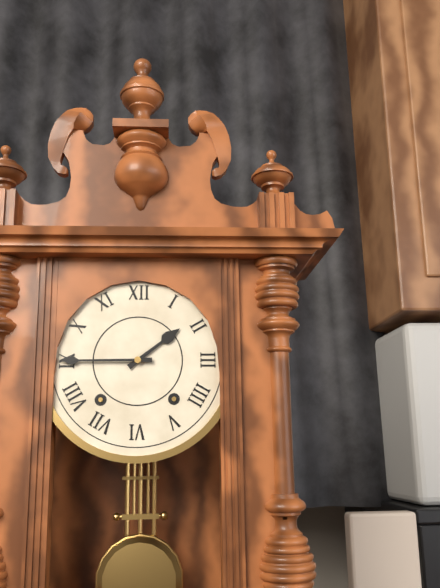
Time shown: **1:45**
